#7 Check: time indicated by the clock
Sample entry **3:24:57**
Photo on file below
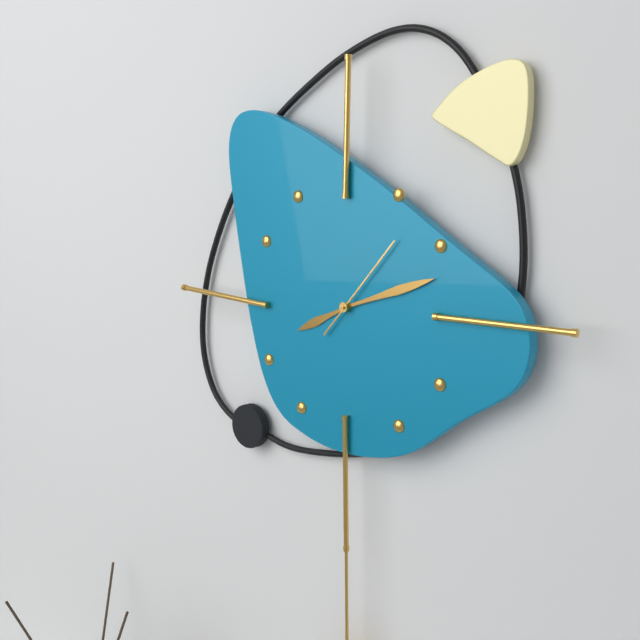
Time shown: **8:12:07**
